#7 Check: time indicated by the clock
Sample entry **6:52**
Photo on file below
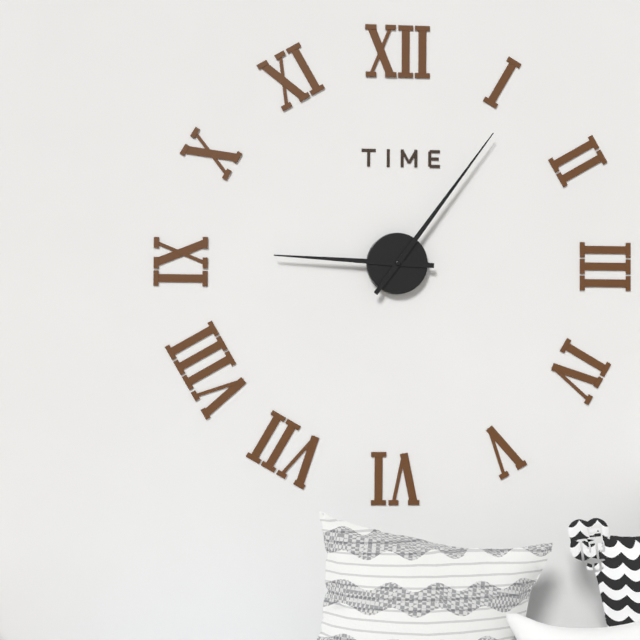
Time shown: **9:06**
